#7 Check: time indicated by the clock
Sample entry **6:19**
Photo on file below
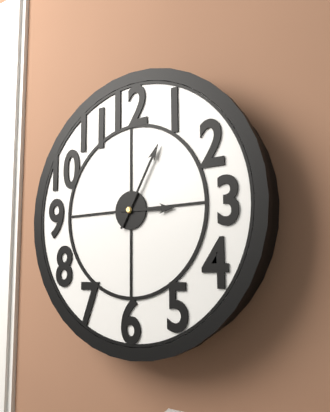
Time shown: **3:05**
